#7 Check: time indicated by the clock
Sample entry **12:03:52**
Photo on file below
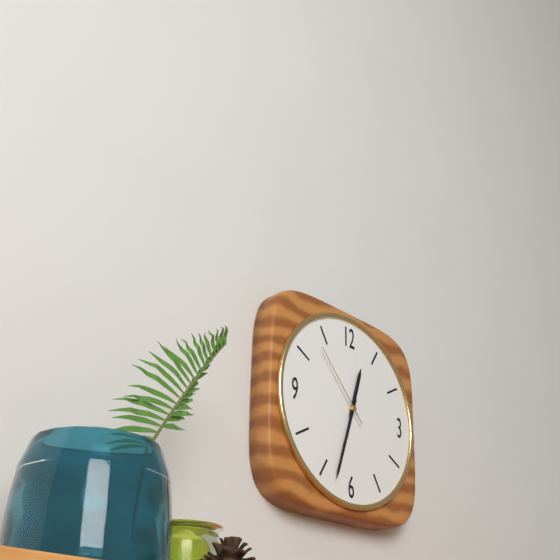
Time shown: **12:33:53**
